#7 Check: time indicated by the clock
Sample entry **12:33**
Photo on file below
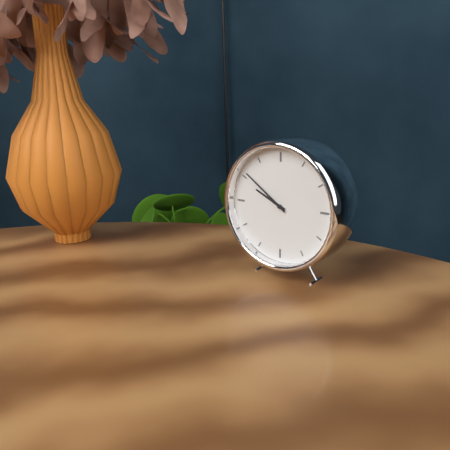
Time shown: **9:51**
